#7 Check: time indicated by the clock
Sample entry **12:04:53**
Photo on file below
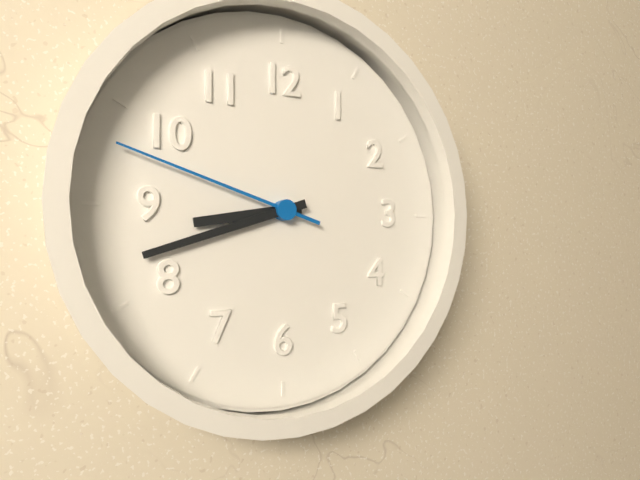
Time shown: **8:42:48**
